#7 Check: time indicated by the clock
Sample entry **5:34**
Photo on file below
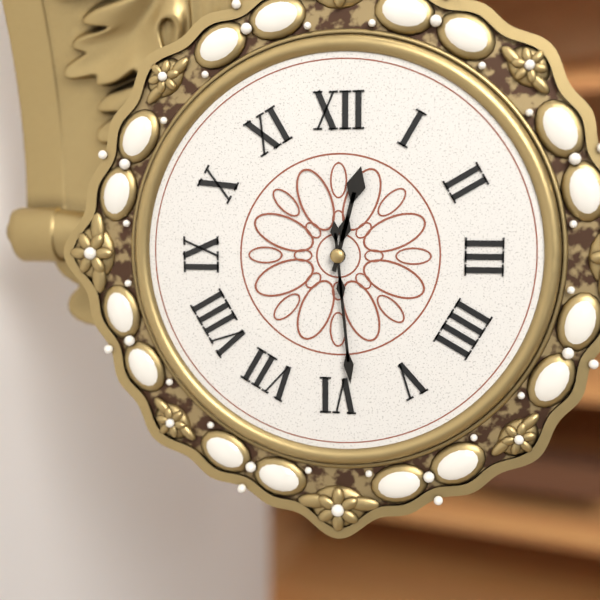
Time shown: **12:29**
